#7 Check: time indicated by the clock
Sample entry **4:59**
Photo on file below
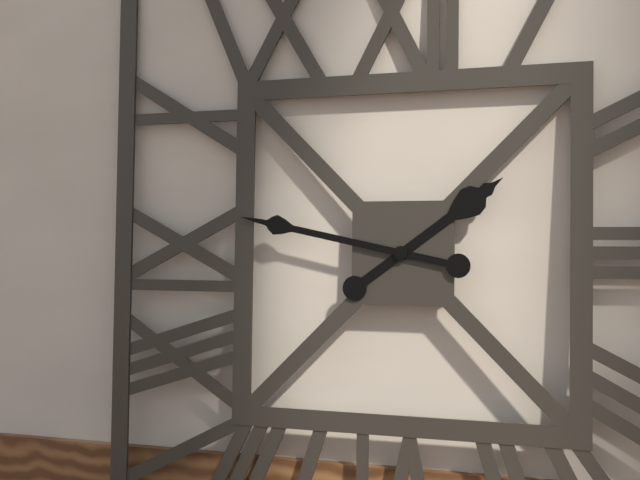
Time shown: **1:47**
